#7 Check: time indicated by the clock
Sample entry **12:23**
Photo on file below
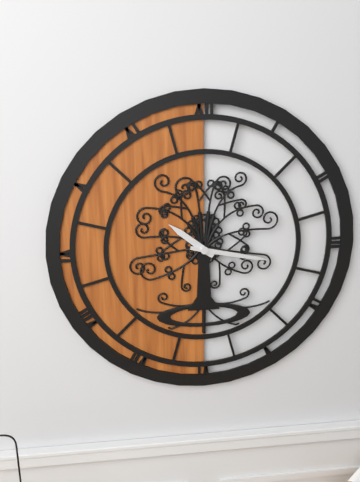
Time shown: **10:17**
